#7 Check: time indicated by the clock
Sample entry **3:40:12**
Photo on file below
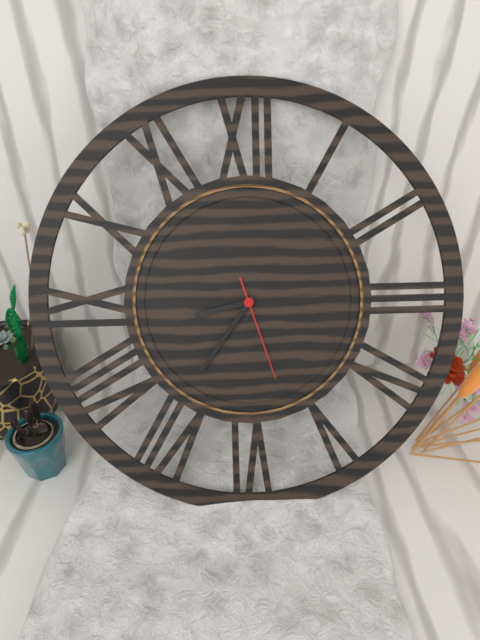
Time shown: **8:36:27**
